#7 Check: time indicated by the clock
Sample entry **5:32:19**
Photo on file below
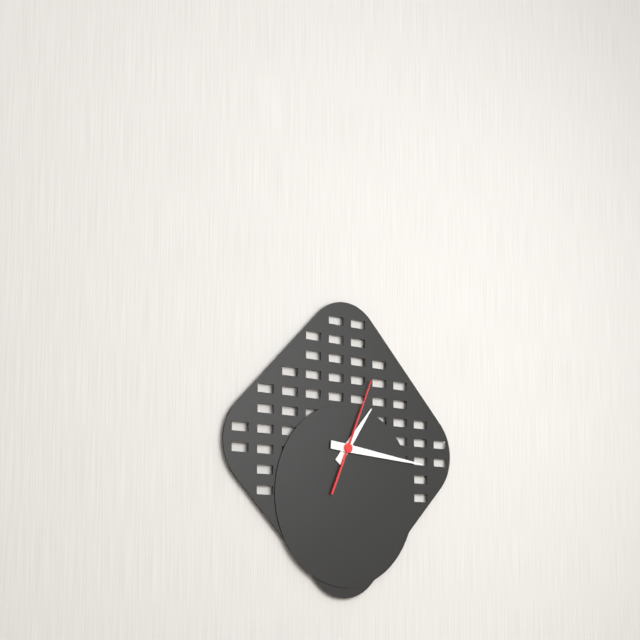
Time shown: **1:16:04**
